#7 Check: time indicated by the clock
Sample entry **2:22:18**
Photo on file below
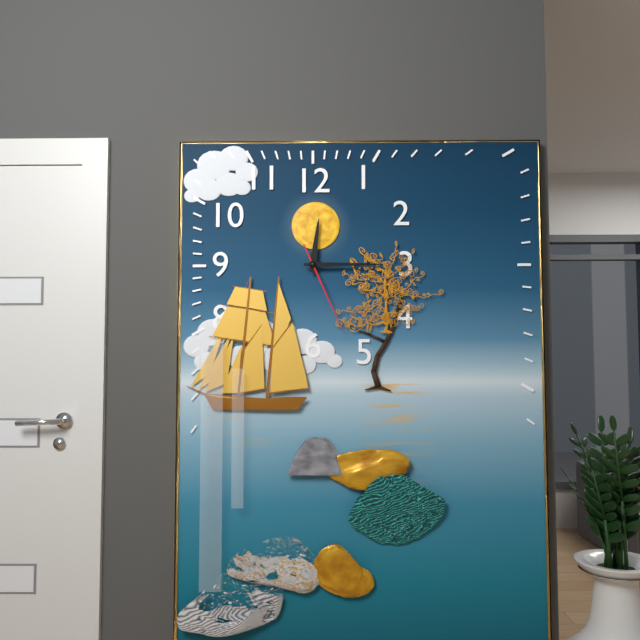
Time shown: **12:15:26**
